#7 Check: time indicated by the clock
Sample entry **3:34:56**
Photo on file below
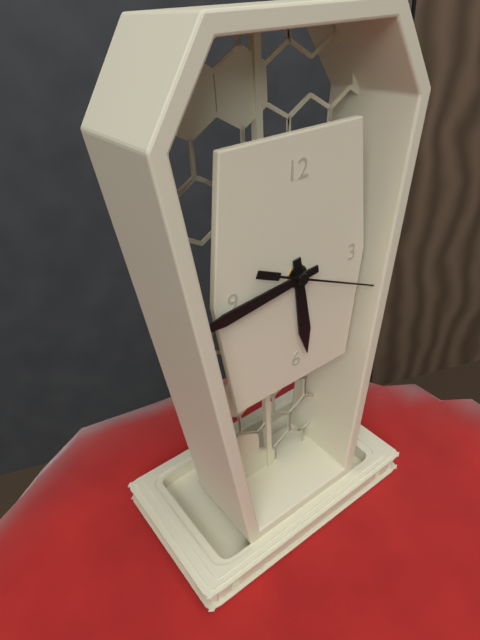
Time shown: **5:44:19**
